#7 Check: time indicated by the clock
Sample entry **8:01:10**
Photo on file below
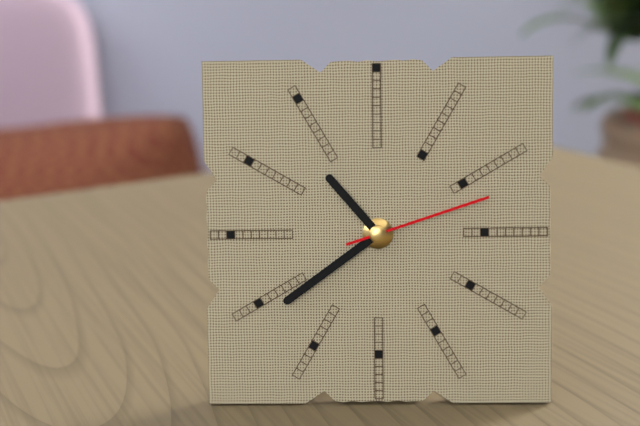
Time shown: **10:39:12**
